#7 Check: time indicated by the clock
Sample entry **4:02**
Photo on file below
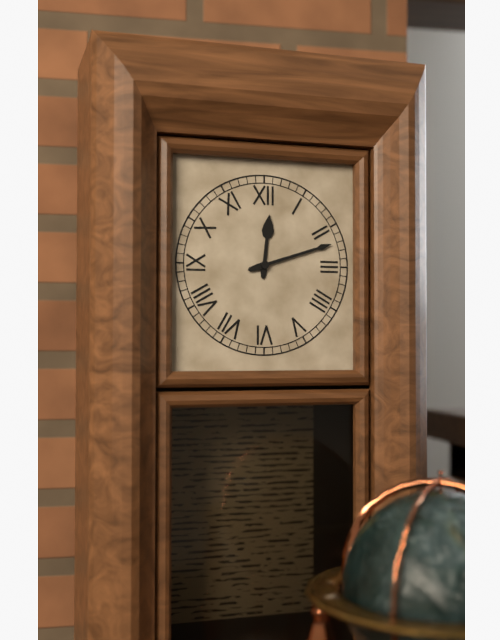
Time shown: **12:12**
